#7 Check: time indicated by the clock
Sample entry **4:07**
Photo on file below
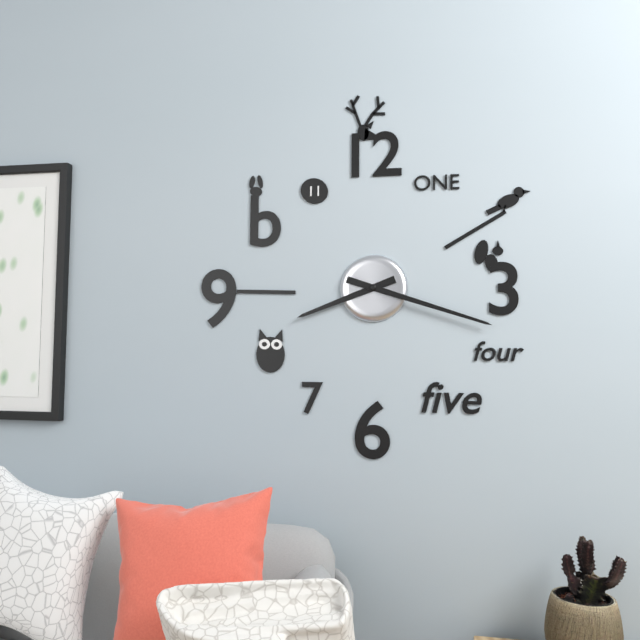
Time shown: **8:18**
